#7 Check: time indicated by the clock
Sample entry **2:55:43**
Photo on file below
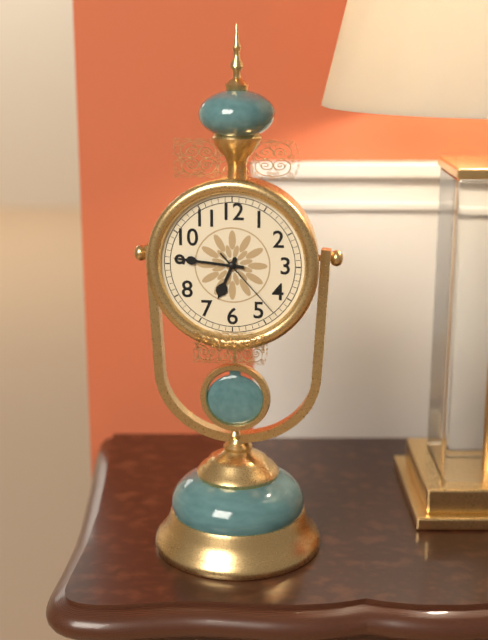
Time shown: **6:46:23**
